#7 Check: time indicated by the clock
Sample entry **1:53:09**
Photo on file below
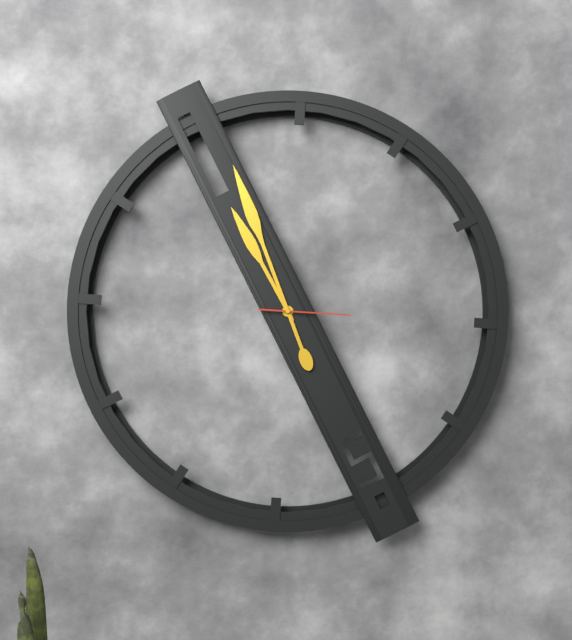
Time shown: **10:56:15**
